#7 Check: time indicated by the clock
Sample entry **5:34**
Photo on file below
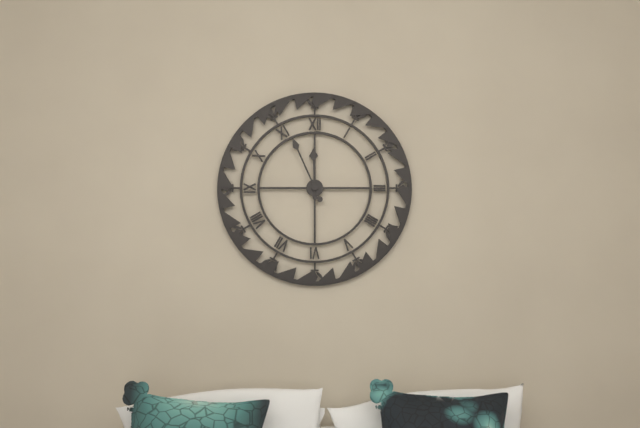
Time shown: **11:56**
